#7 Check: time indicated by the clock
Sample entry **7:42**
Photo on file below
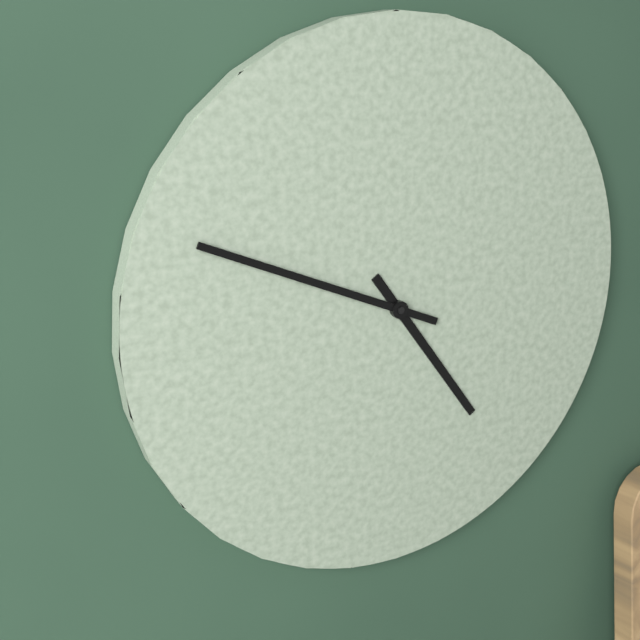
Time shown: **4:49**
